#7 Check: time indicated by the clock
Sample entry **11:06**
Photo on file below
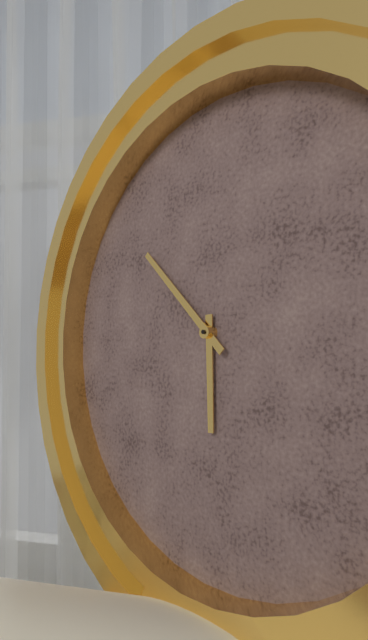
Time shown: **5:52**
